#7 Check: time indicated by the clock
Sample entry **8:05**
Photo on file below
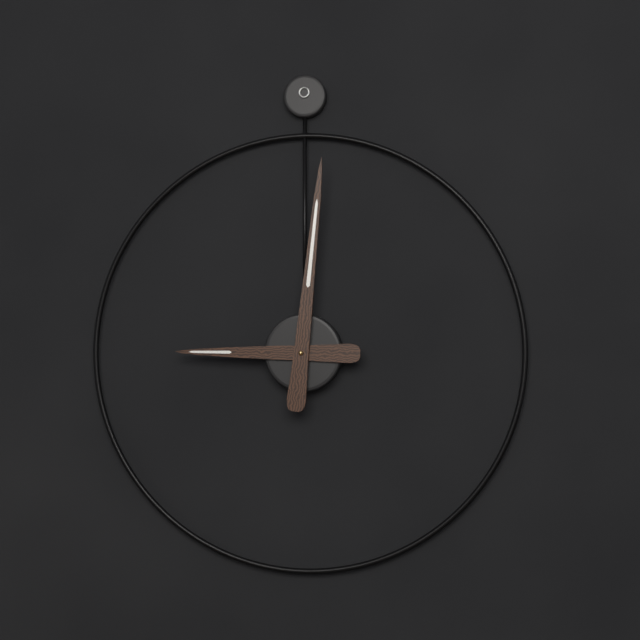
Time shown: **9:01**
